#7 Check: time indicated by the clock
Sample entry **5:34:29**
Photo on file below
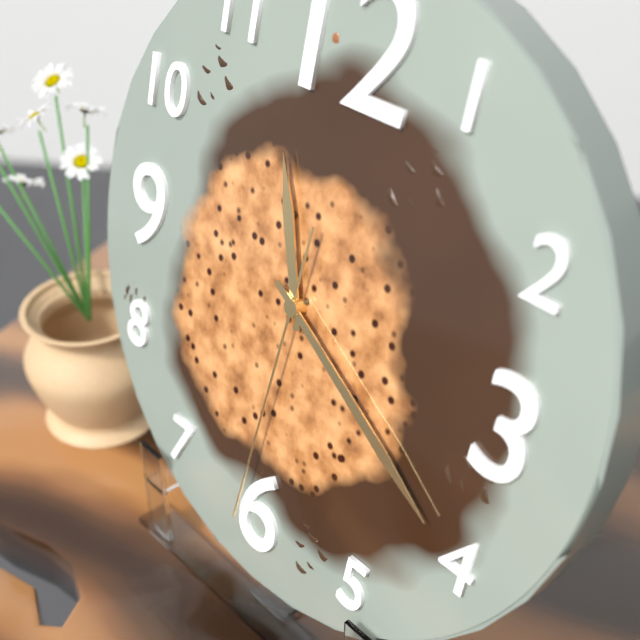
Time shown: **11:20:31**
